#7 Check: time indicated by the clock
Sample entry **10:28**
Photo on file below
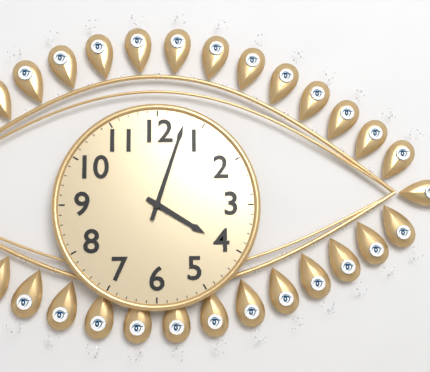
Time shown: **4:03**
